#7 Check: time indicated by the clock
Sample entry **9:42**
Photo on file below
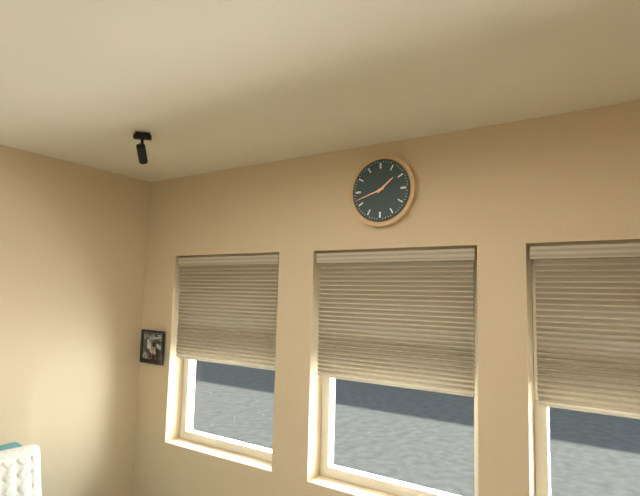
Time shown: **1:42**
